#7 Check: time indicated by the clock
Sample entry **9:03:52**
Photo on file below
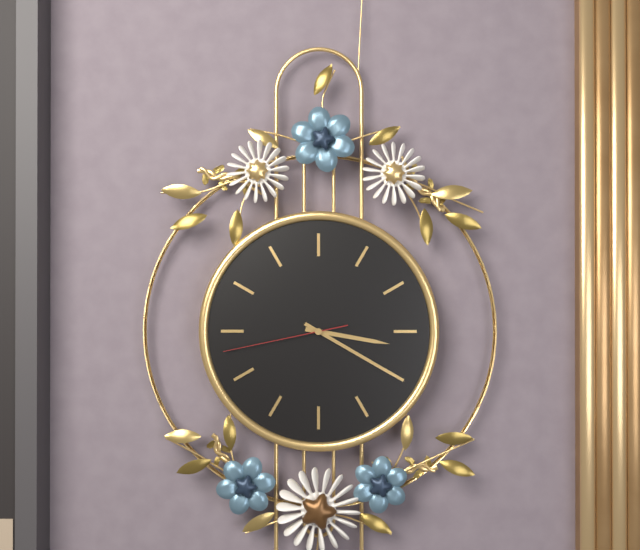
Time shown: **3:20:43**
